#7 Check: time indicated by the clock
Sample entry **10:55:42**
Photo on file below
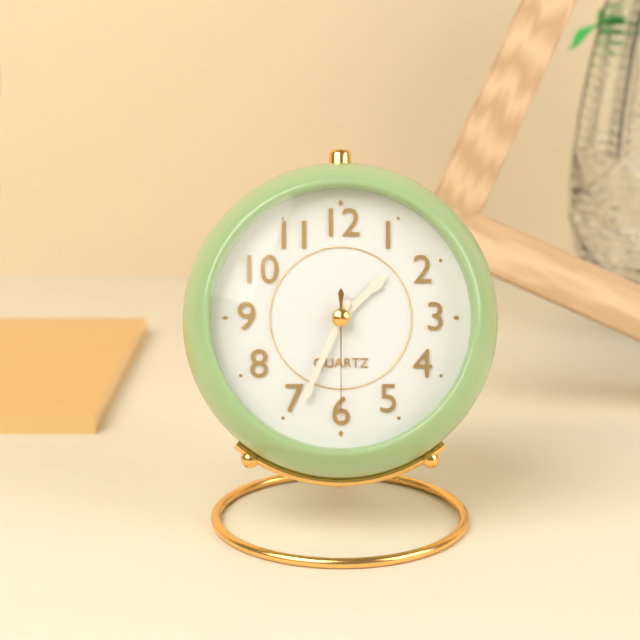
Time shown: **1:34:30**
